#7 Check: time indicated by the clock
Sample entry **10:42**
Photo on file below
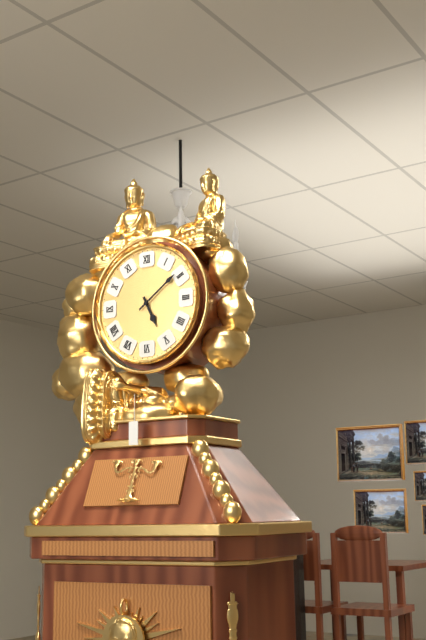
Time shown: **5:09**
